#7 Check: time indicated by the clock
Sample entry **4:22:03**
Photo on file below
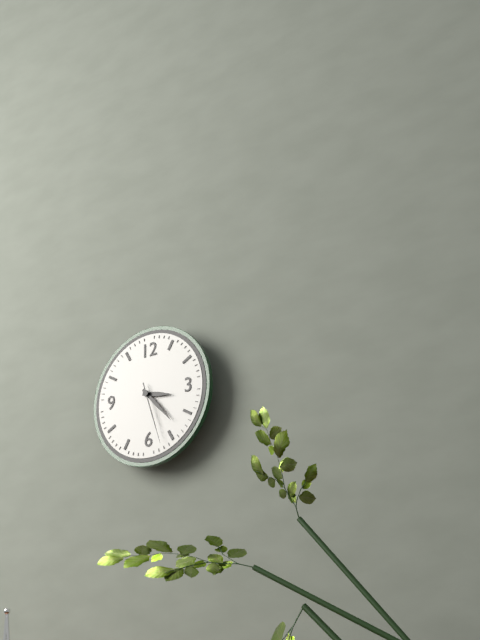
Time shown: **3:23:27**
